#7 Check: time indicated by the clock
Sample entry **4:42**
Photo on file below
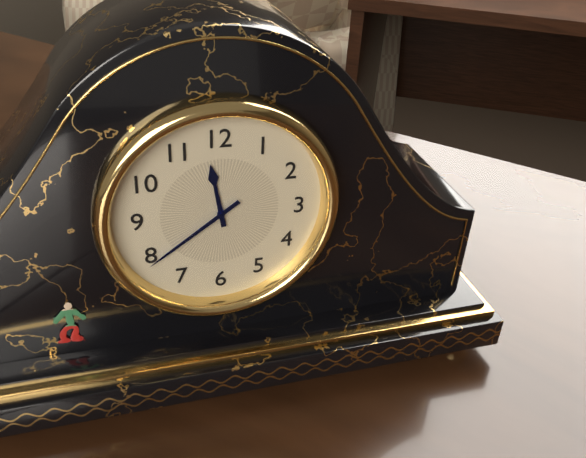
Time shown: **11:39**
